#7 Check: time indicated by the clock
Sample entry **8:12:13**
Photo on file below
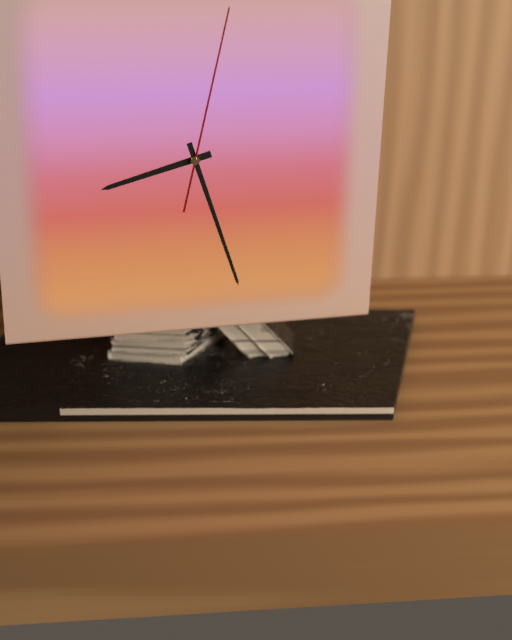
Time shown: **8:27:02**
